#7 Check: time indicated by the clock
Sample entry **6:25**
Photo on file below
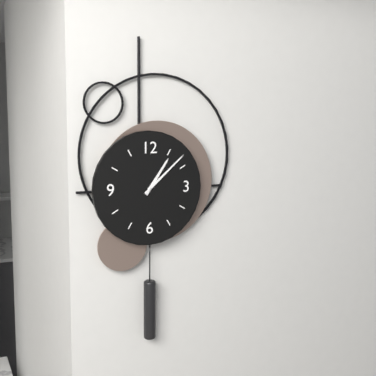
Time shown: **1:08**
